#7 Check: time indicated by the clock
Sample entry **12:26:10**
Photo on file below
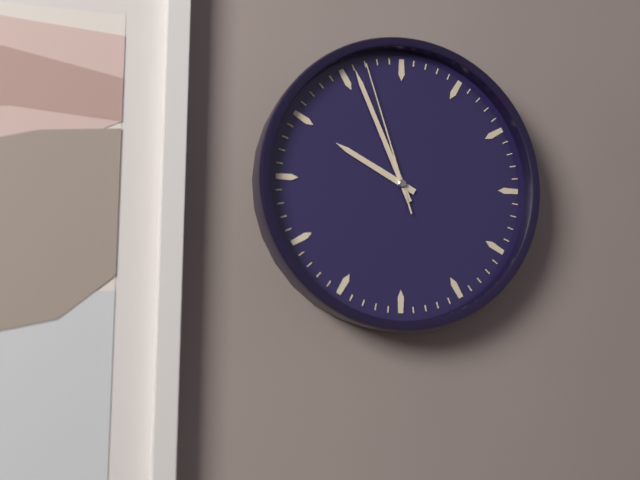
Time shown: **9:56:57**
